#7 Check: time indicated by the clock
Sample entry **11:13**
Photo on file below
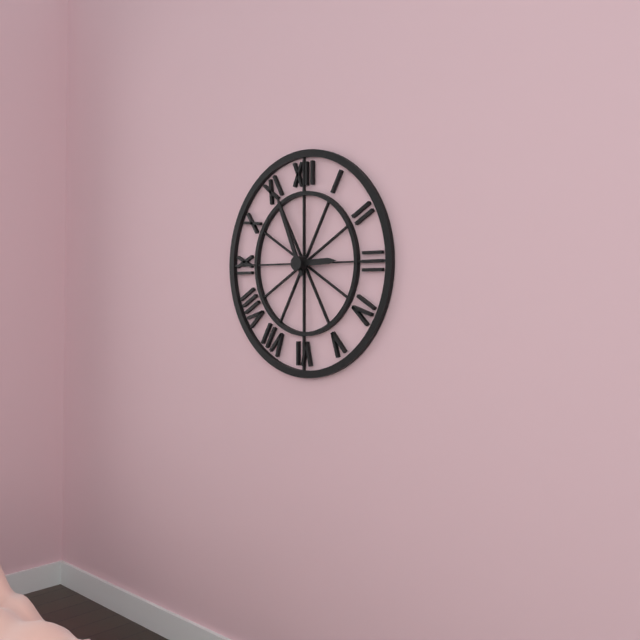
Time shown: **2:56**
